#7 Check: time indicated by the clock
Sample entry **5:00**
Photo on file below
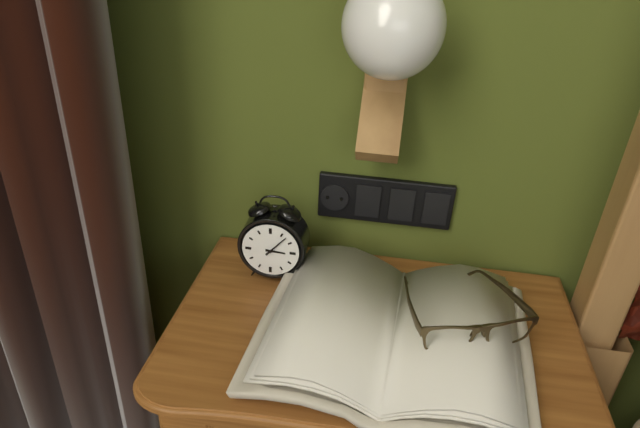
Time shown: **3:07**
